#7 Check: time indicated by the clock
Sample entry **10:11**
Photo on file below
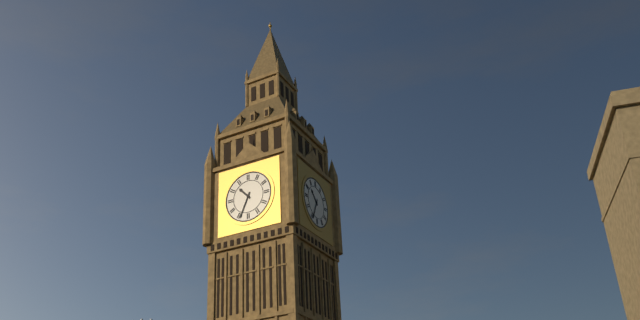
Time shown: **10:34**
